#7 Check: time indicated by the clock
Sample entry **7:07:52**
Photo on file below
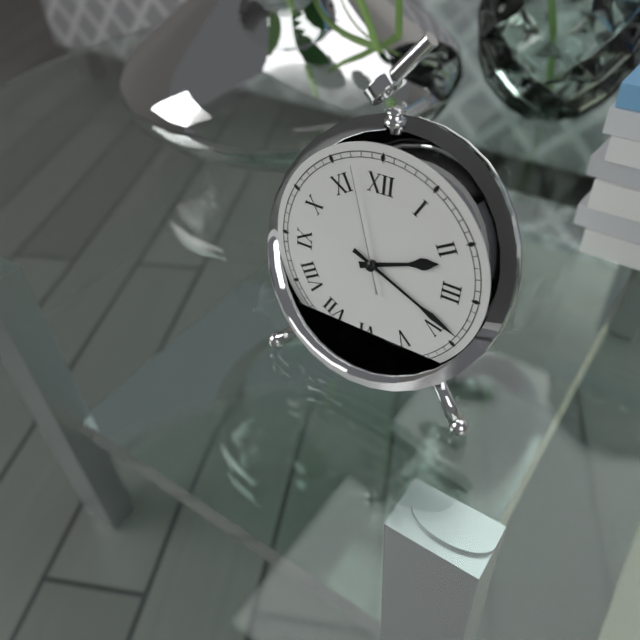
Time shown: **2:19:57**
